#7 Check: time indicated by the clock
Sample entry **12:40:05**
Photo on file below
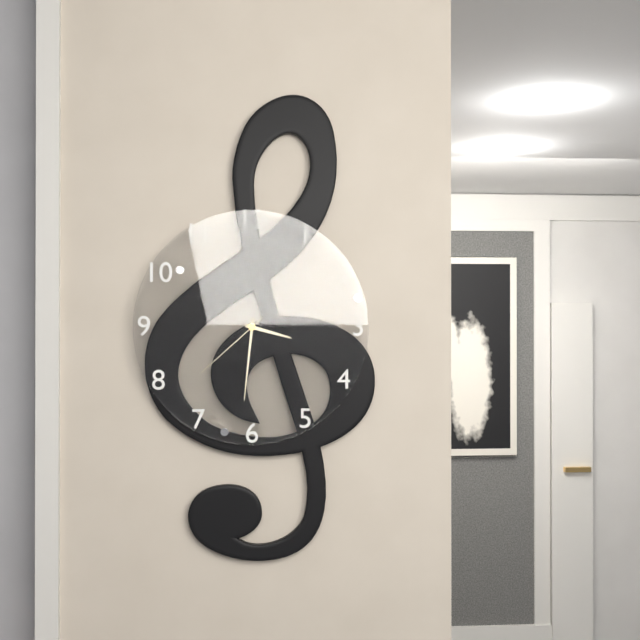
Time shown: **3:31:38**
